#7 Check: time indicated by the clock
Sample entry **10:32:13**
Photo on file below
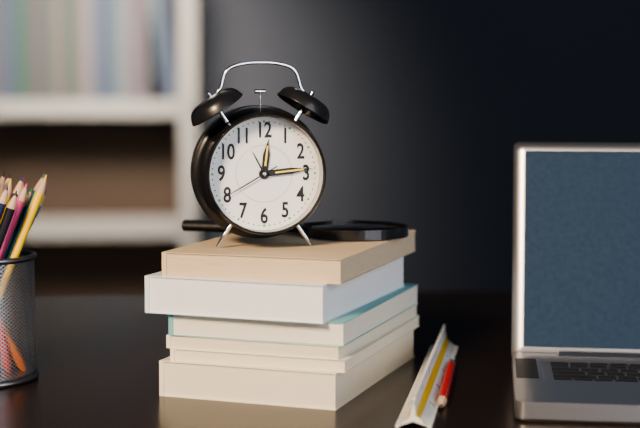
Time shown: **12:14:40**
